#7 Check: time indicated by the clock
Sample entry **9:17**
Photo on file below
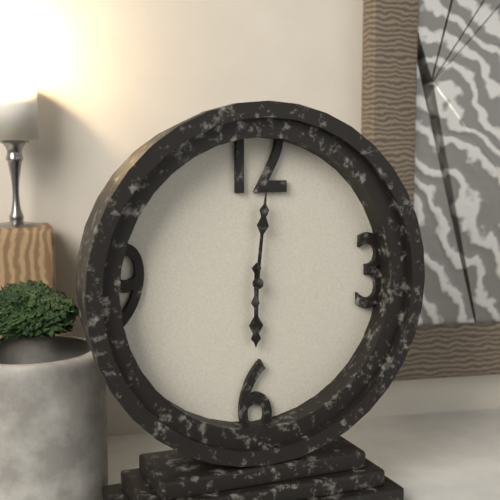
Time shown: **6:01**
